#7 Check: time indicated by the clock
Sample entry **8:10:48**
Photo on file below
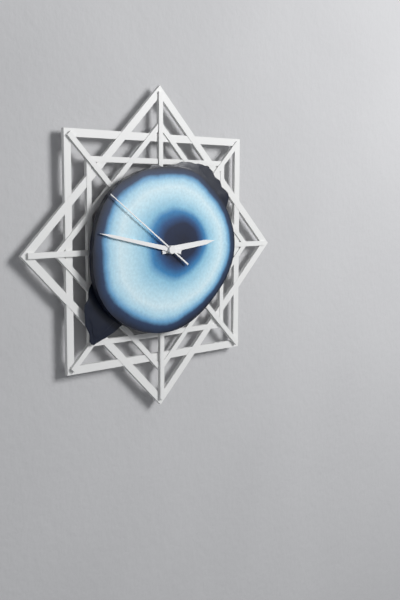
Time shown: **2:47:51**
